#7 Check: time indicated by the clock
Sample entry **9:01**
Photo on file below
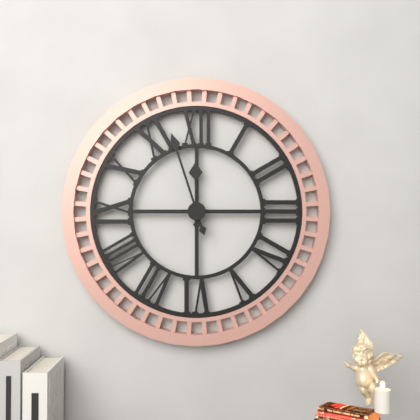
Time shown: **11:57**
